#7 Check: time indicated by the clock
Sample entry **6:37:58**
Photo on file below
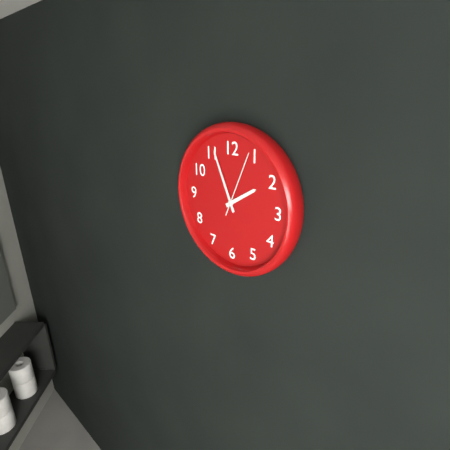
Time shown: **1:56:04**
